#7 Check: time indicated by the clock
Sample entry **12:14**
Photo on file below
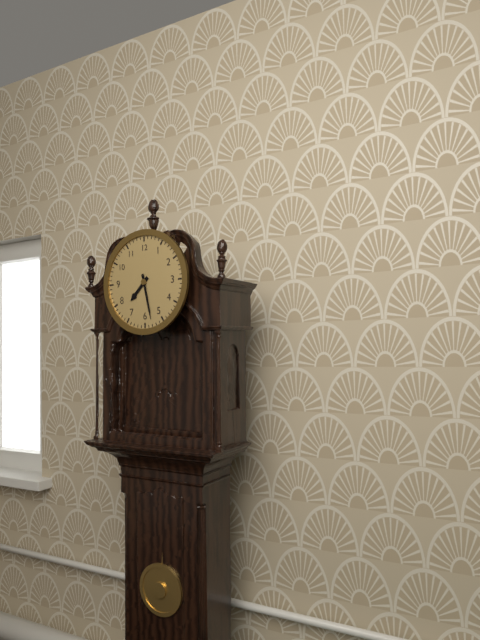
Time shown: **7:28**
